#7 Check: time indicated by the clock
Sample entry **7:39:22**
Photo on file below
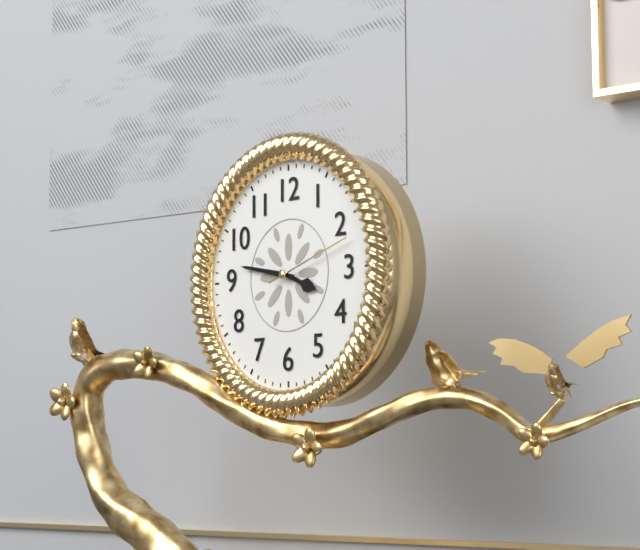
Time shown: **3:47:12**
